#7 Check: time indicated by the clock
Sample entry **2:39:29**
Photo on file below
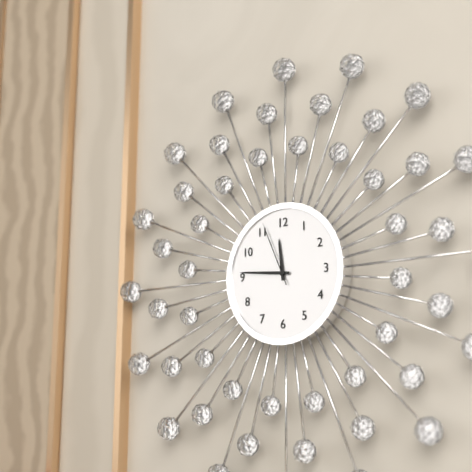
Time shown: **11:46:56**
